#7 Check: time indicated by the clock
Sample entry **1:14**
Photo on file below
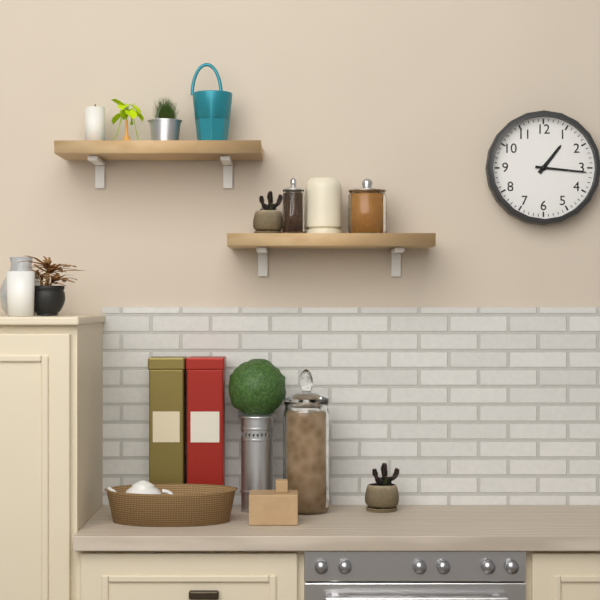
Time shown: **1:16**
